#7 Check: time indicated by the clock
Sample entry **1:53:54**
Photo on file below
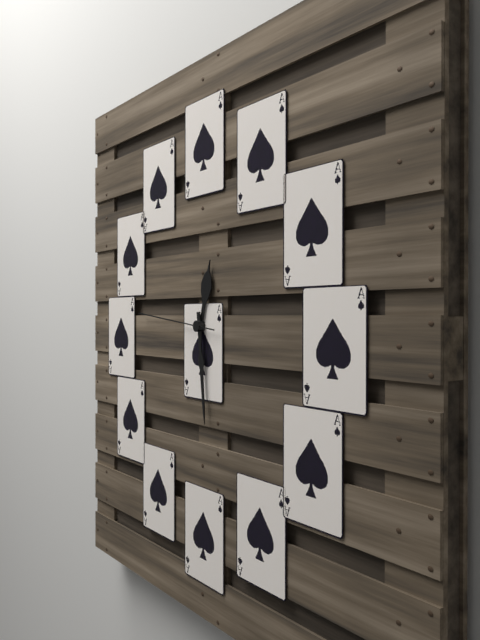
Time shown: **12:29:46**
